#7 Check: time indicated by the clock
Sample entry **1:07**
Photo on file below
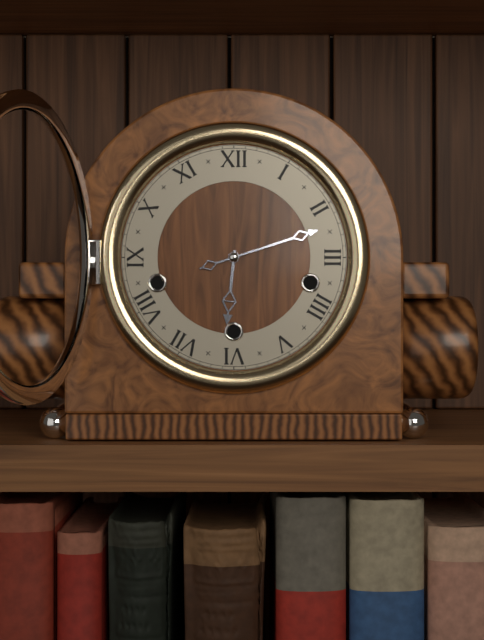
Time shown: **6:12**
